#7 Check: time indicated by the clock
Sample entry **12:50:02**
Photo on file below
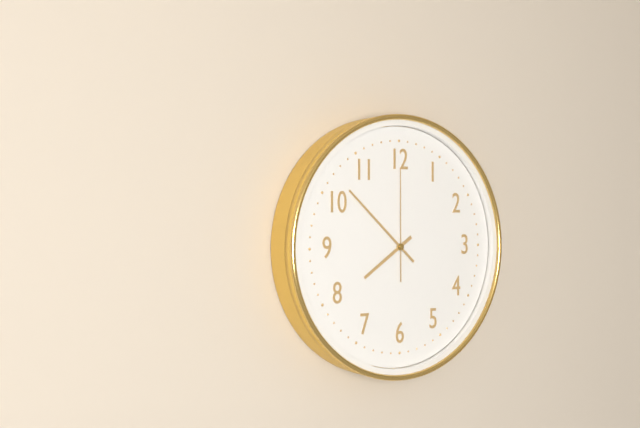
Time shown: **7:52:00**
